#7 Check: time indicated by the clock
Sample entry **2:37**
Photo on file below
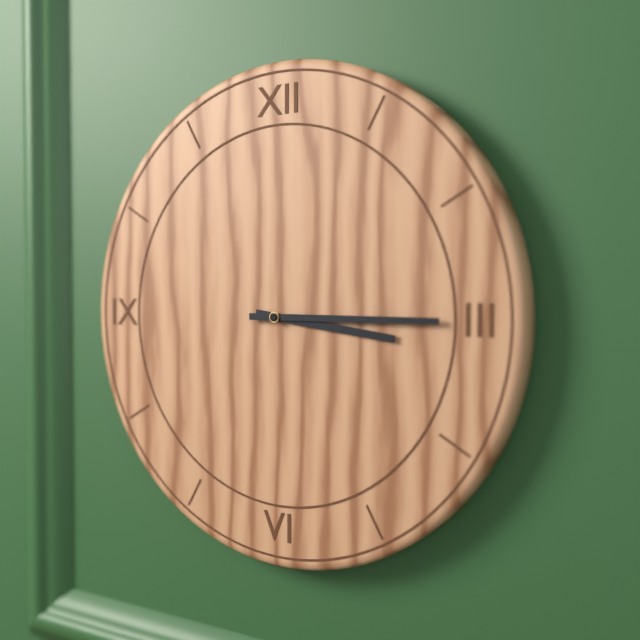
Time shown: **3:15**
